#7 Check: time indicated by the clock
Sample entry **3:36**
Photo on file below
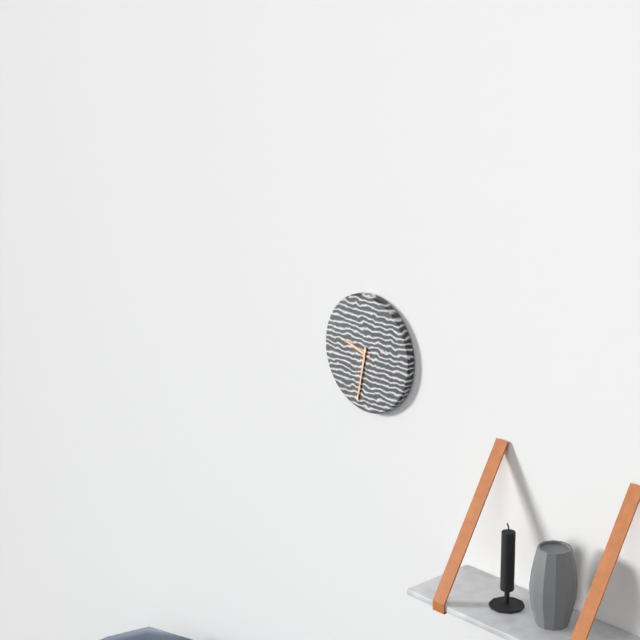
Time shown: **9:32**
